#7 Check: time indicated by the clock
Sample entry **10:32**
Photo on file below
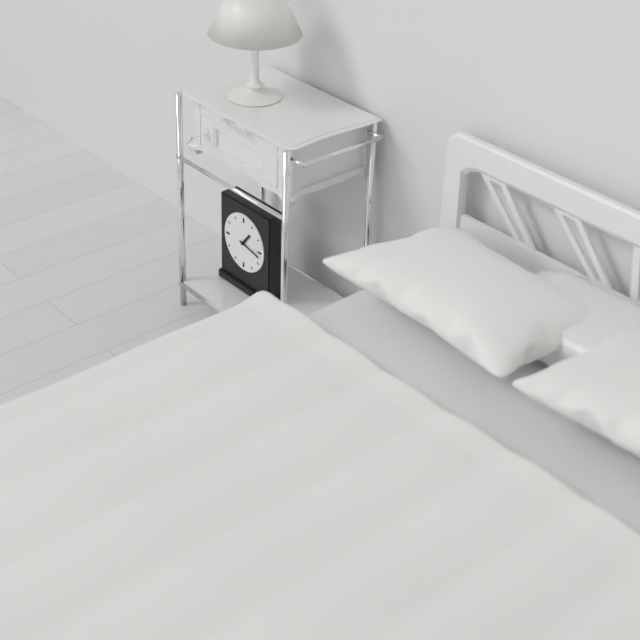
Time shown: **1:17**
